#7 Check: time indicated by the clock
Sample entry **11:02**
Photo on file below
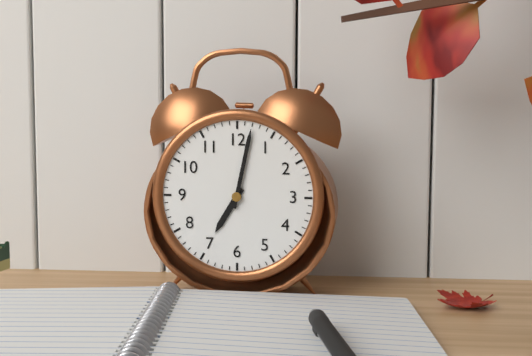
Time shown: **7:02**
